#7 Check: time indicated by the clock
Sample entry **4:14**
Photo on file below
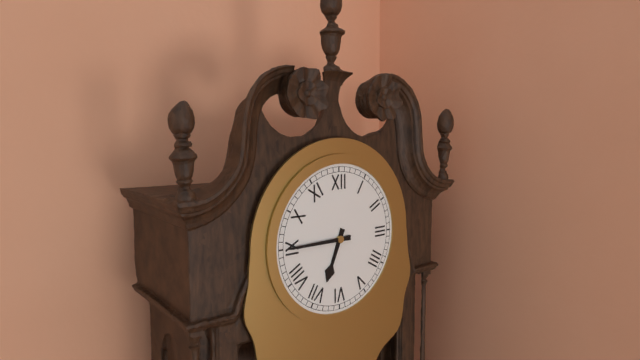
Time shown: **6:45**
